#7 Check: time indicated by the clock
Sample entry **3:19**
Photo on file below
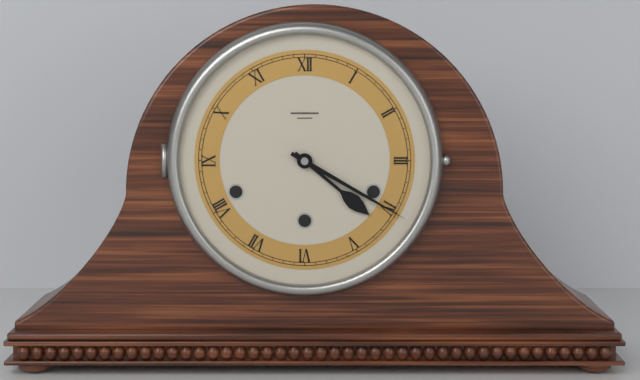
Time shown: **4:20**
